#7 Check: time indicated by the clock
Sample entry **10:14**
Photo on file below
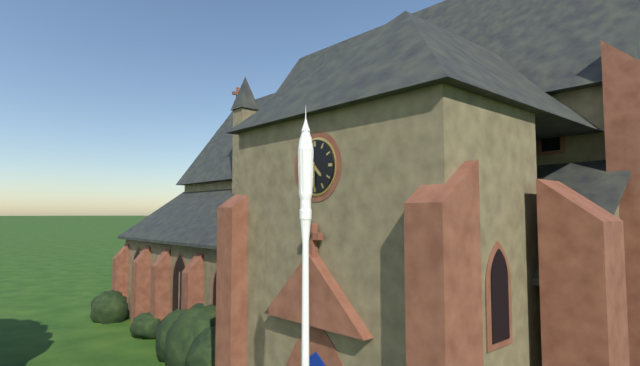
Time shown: **4:30**
